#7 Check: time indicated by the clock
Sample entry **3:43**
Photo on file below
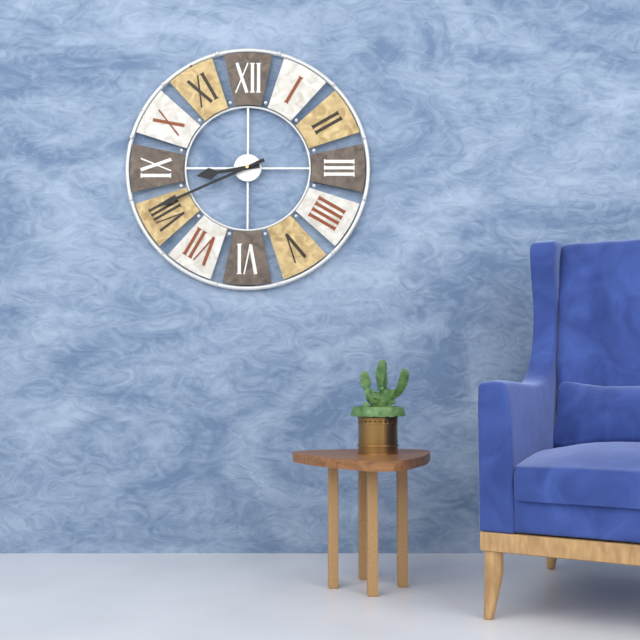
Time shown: **8:41**
